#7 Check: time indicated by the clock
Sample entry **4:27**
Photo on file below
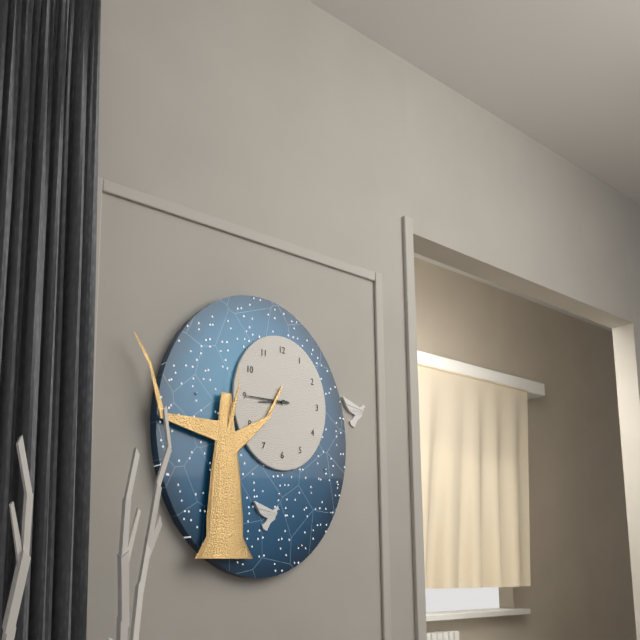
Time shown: **8:45**
